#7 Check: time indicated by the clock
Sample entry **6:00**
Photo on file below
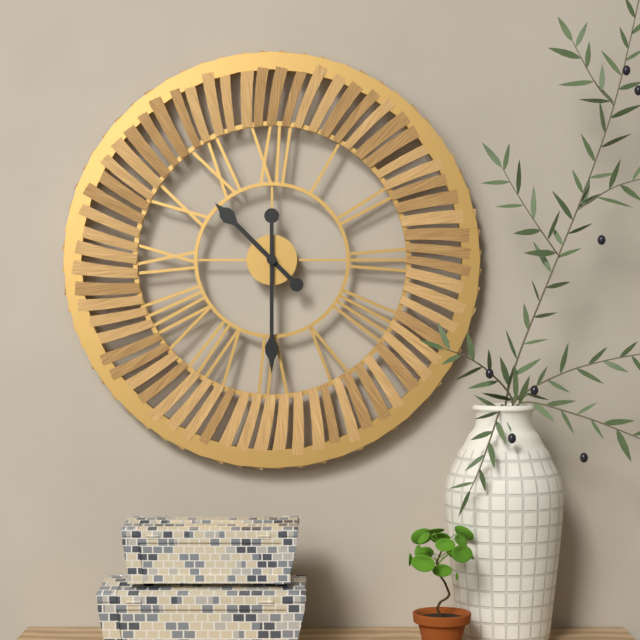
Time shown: **10:30**
